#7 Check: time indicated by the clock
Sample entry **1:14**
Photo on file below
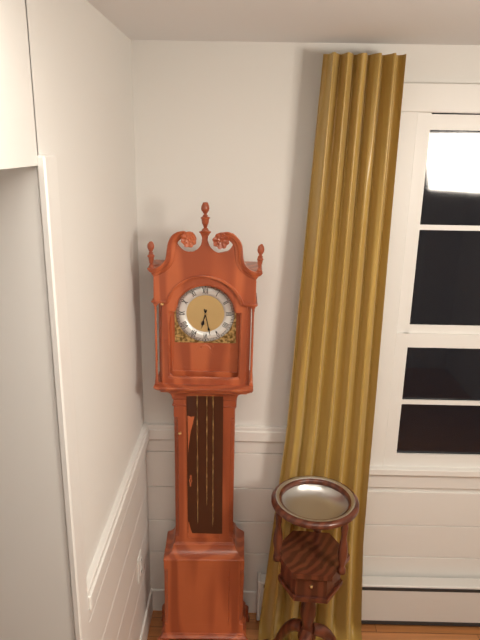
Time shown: **6:28**
